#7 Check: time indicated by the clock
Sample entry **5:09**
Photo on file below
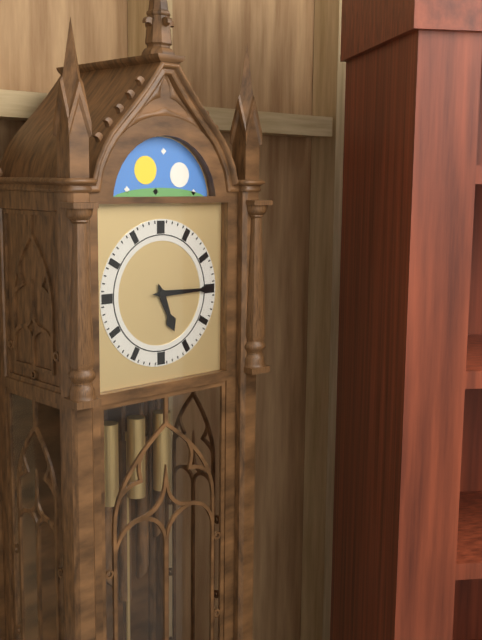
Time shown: **5:15**
